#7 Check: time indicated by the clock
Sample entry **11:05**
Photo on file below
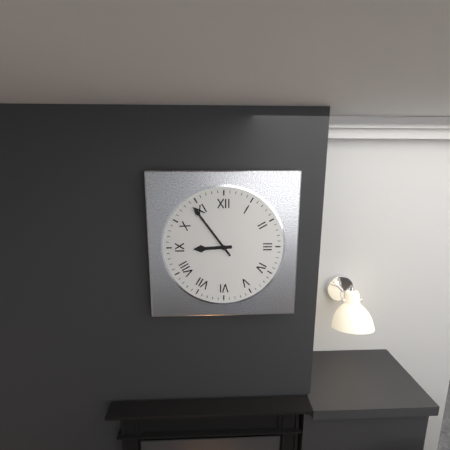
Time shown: **8:54**
